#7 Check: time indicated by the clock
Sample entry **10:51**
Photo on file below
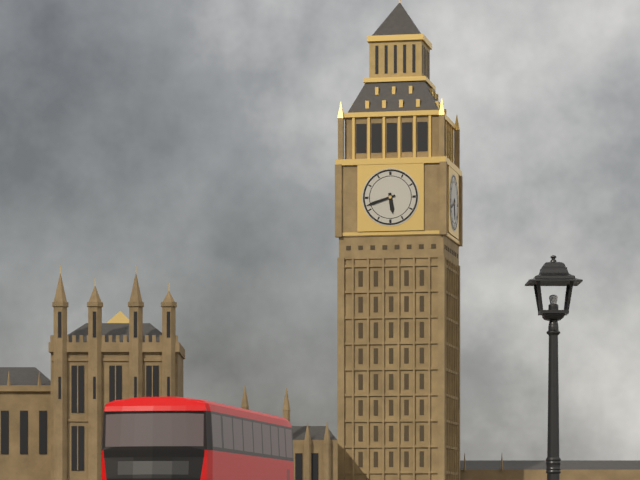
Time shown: **5:42**
